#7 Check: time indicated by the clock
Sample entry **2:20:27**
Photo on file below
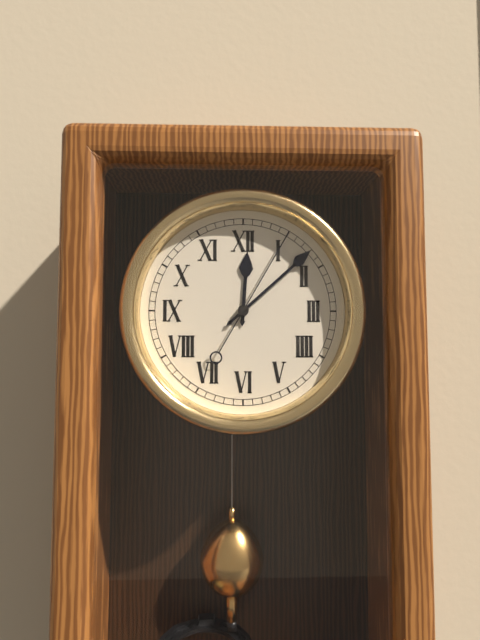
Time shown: **12:08:05**
